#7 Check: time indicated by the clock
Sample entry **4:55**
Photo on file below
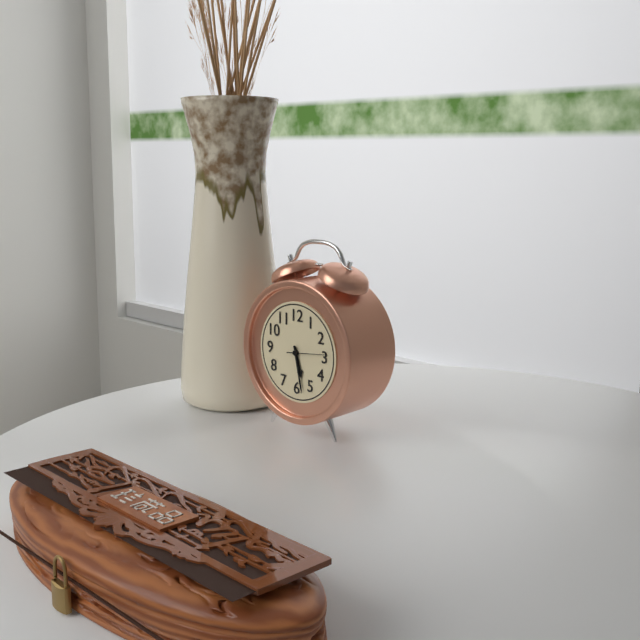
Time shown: **5:28**
